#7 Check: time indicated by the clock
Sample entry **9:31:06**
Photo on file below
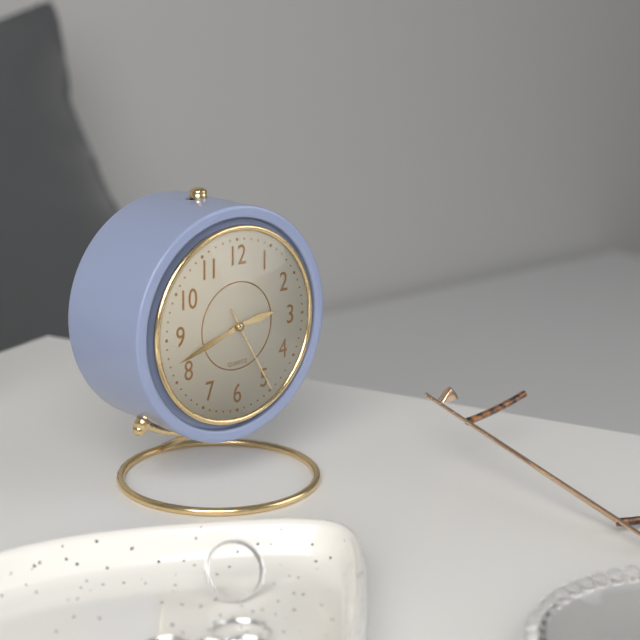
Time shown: **2:42:25**
